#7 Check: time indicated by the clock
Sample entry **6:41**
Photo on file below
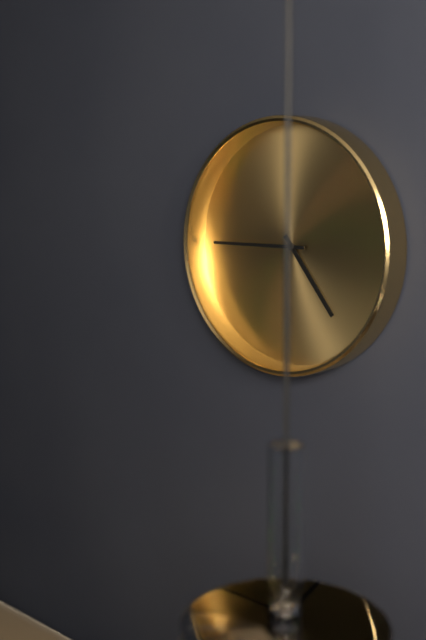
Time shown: **4:45**
